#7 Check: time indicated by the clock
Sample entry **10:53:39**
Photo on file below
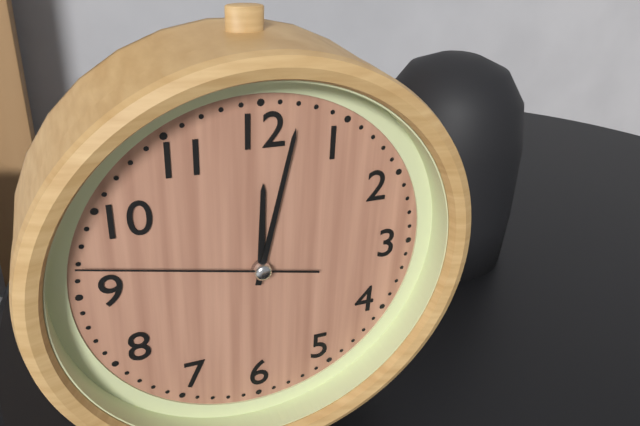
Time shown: **12:02:47**
